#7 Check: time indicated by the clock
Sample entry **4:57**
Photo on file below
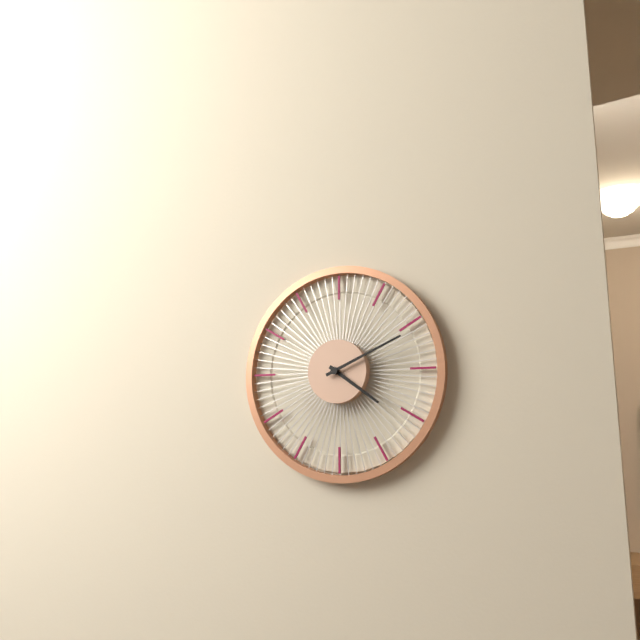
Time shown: **4:11**
